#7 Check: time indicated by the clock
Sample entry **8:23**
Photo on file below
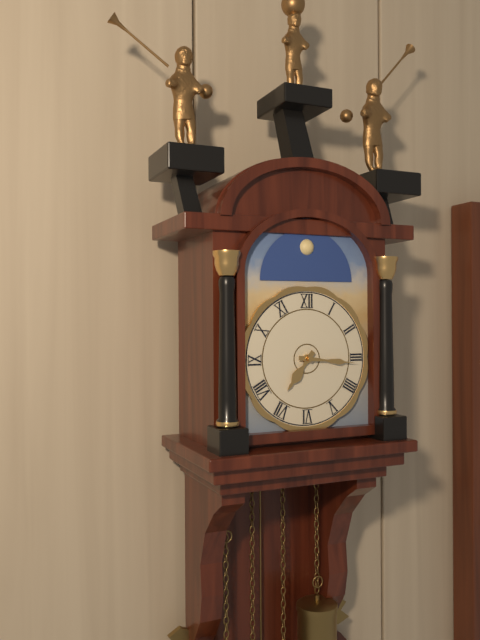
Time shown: **7:16**
